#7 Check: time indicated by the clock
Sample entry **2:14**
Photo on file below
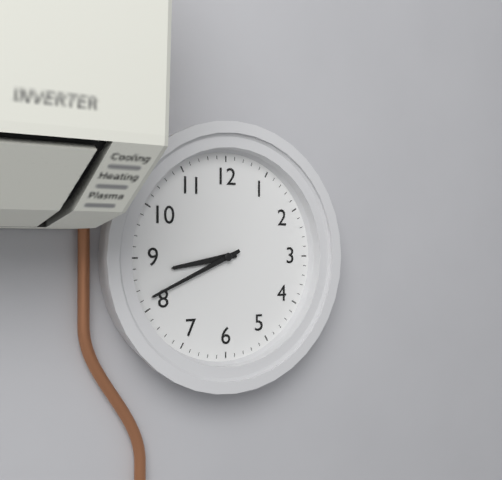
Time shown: **8:41**
